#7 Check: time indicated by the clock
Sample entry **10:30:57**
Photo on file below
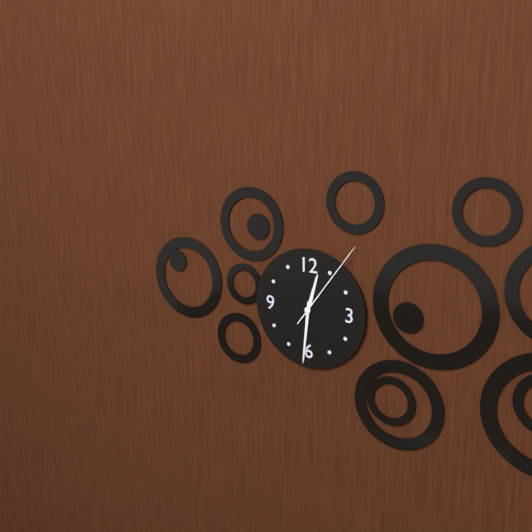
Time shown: **12:31:06**
